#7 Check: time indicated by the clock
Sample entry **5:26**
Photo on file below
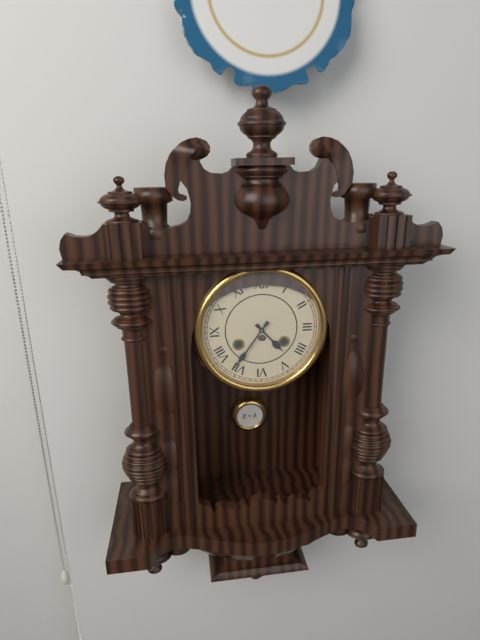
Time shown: **4:36**
